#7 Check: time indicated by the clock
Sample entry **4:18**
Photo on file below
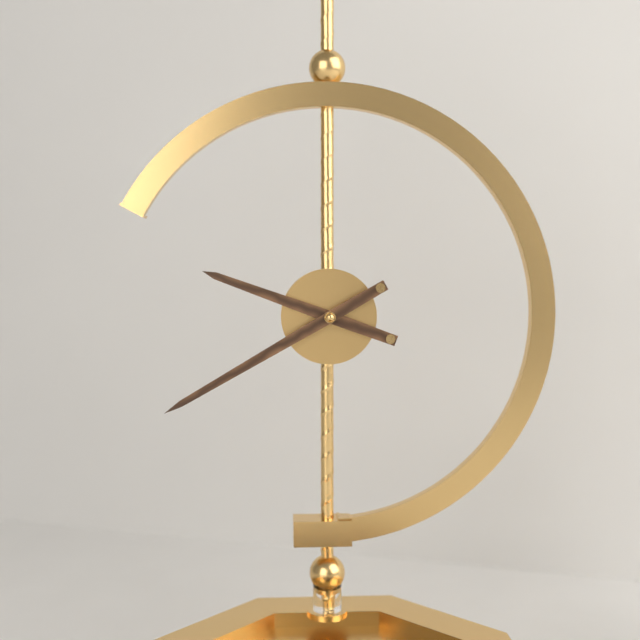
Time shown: **9:40**
